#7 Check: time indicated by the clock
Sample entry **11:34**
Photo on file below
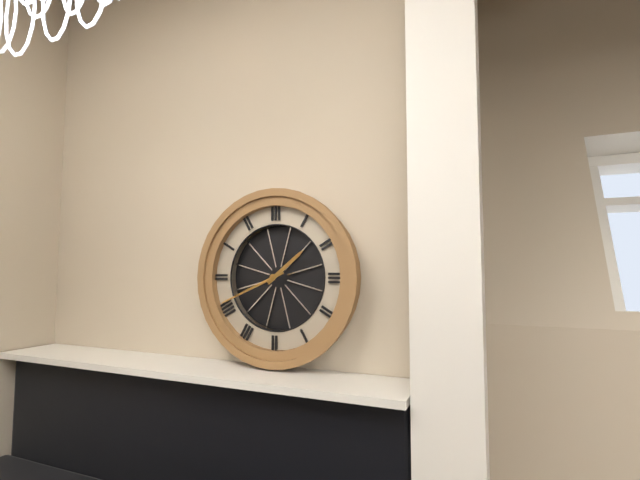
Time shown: **1:41**
